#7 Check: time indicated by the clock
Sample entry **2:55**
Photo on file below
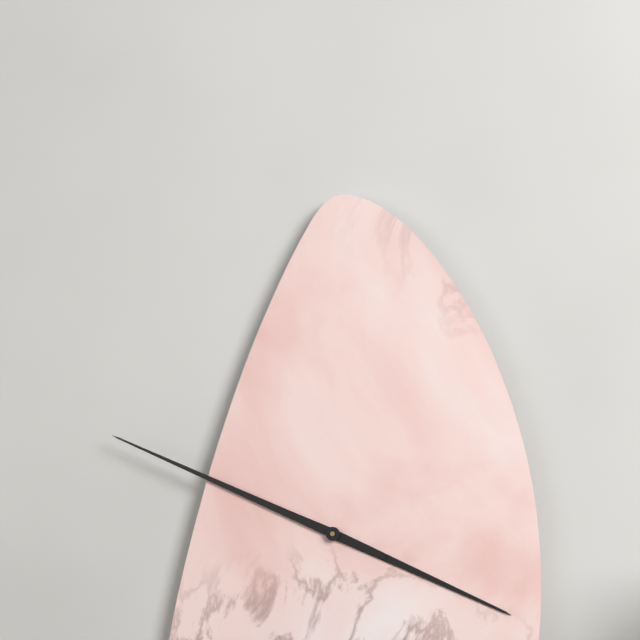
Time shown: **3:49**
